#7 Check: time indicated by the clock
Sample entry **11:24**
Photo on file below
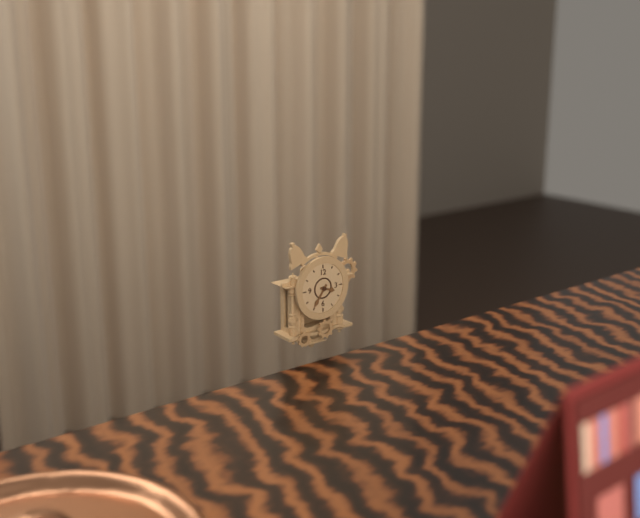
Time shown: **3:36**
